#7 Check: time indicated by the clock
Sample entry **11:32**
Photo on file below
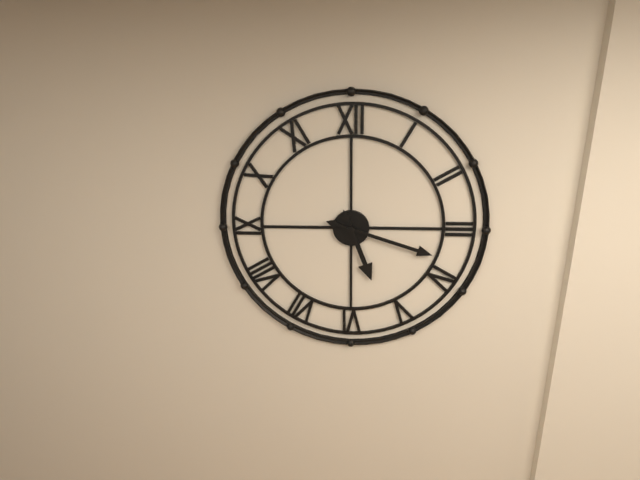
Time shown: **5:18**
